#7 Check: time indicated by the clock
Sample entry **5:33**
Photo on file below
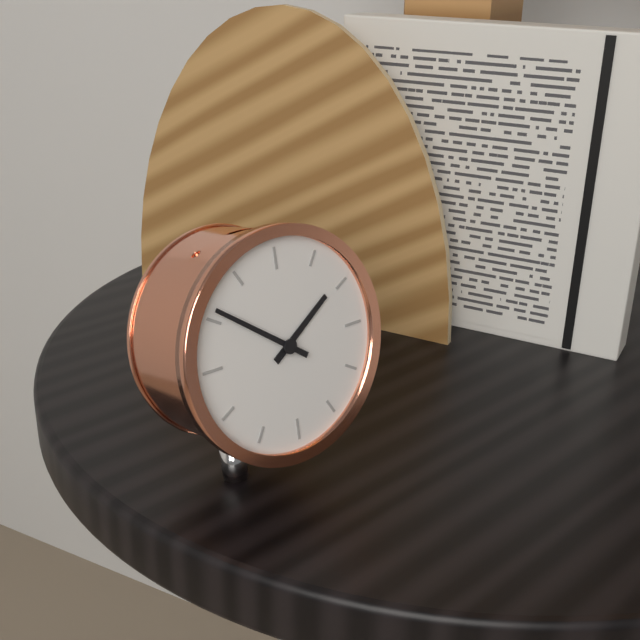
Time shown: **1:51**
